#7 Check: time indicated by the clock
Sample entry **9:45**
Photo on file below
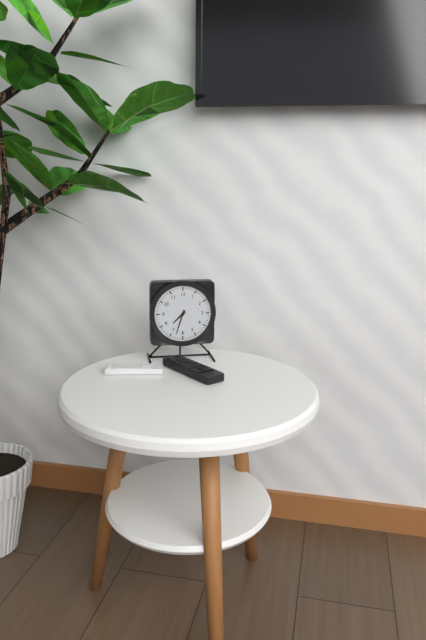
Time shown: **7:33**
